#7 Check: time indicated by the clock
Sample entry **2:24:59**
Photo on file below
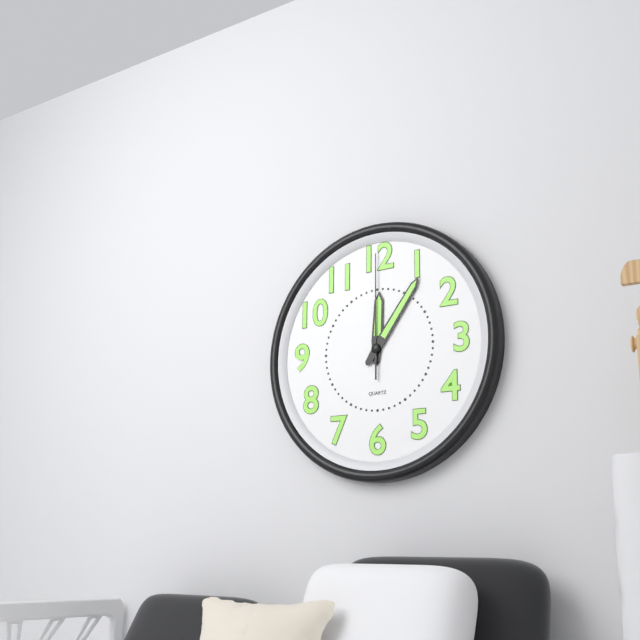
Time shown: **12:06:00**
